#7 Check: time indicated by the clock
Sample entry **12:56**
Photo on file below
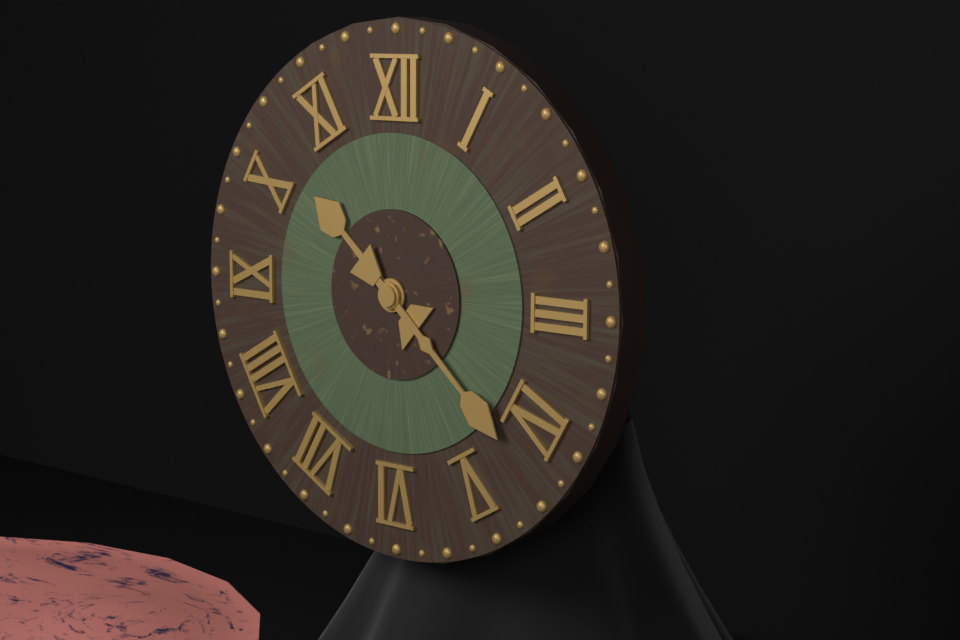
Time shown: **10:22**
